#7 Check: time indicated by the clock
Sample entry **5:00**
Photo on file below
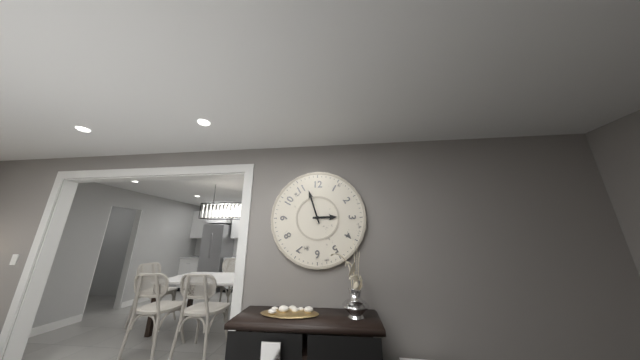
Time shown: **2:57**
